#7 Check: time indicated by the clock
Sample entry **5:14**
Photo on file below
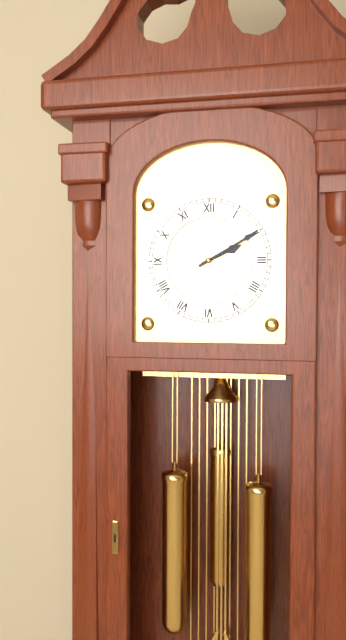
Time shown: **2:10**
